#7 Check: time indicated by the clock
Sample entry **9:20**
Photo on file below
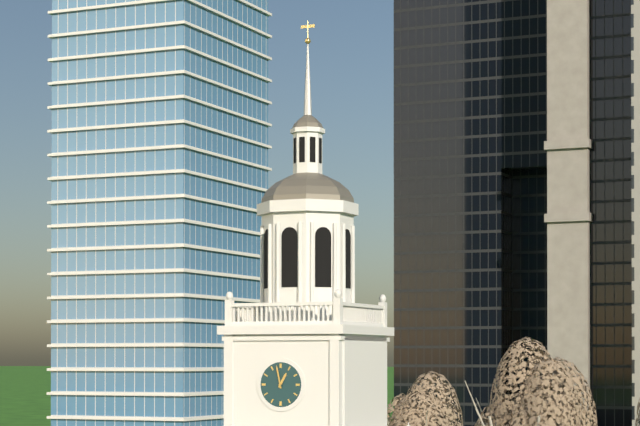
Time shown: **12:58**
